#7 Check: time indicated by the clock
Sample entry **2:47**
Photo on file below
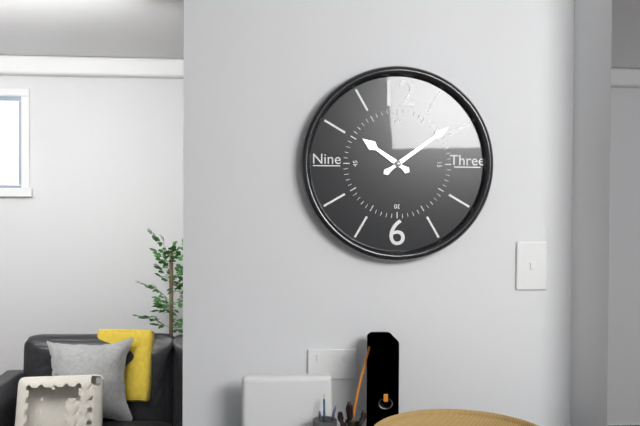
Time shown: **10:09**
